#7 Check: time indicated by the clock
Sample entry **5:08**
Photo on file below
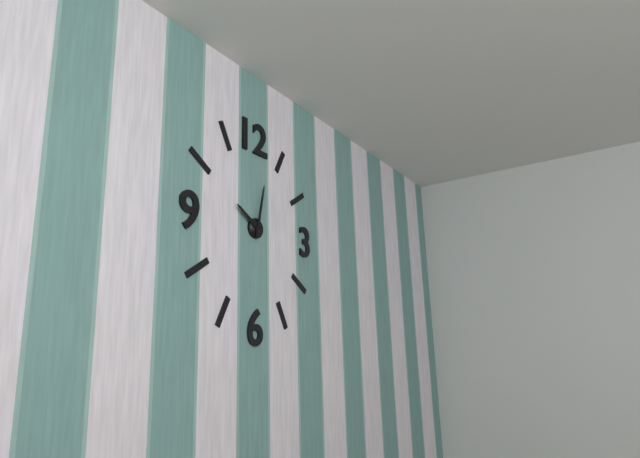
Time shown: **10:02**
